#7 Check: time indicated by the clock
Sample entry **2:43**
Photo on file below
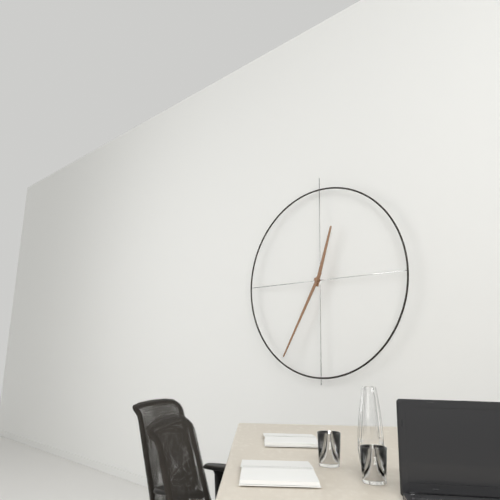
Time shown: **12:35**
